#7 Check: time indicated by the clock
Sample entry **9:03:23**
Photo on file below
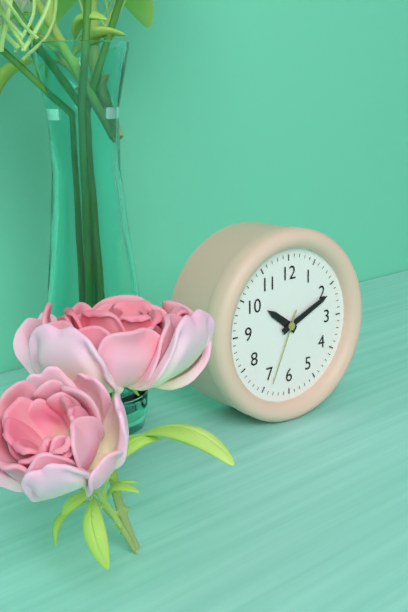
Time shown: **10:11:34**
